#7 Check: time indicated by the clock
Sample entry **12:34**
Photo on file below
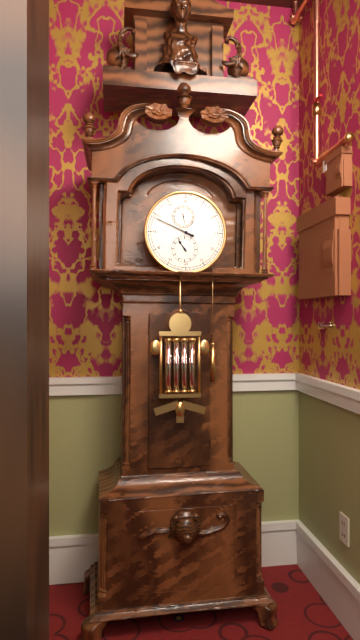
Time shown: **10:49**
